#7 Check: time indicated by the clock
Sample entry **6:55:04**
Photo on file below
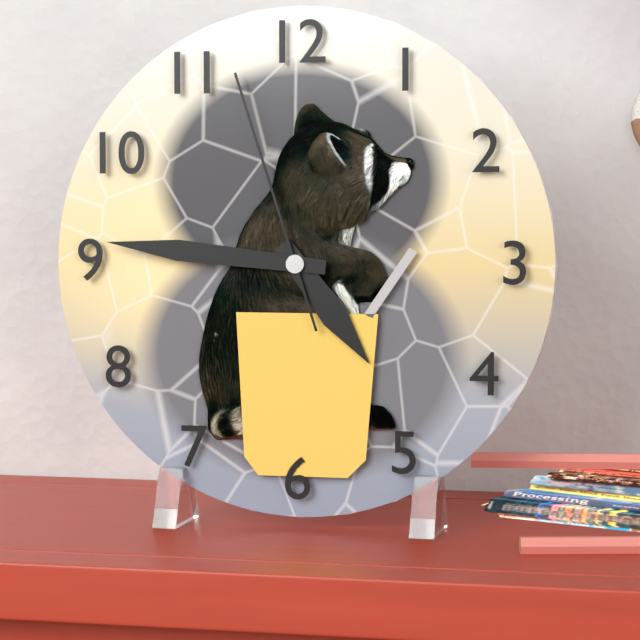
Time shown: **4:46:57**
